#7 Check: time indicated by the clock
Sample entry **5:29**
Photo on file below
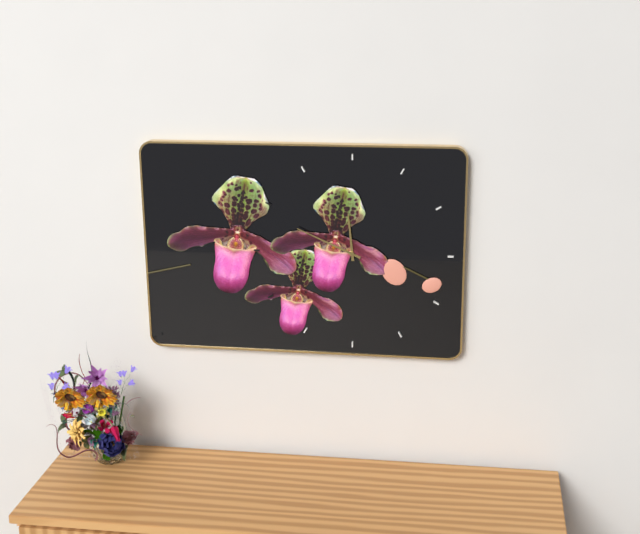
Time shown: **11:49**
